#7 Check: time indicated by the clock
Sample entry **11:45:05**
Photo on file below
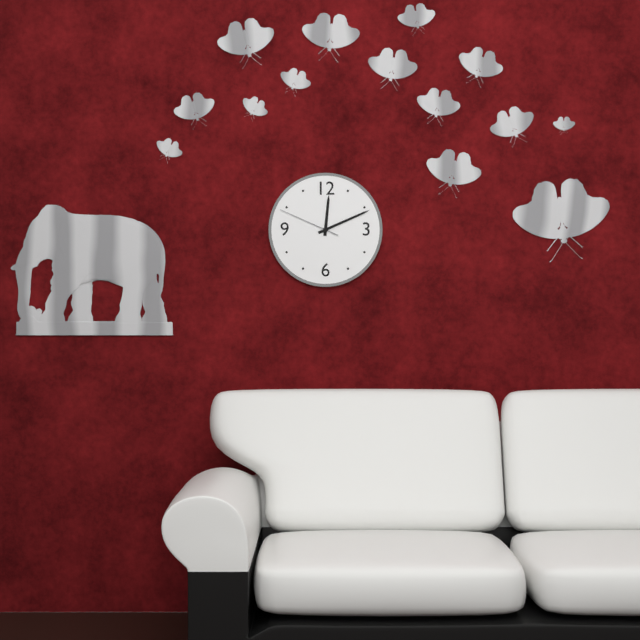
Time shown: **12:11:49**
